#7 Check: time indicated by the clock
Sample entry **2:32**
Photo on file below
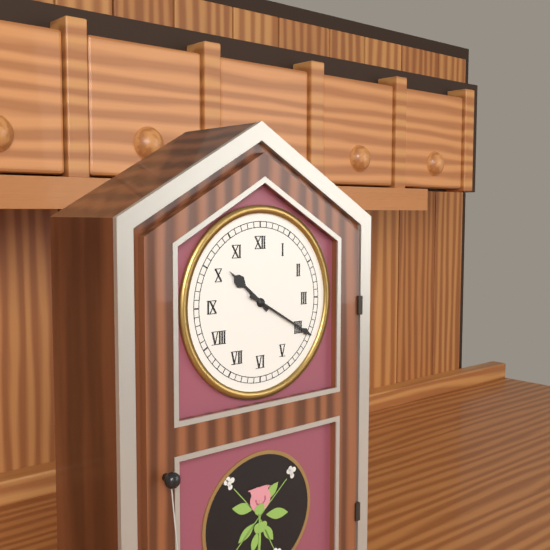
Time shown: **10:20**
